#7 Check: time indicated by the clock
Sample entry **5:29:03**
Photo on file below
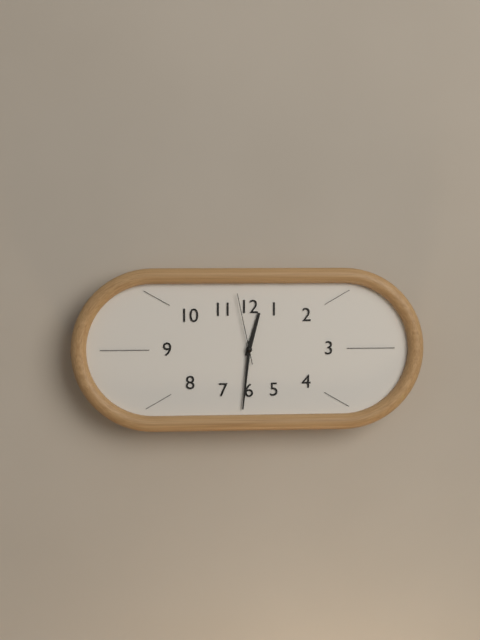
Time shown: **12:31:58**
